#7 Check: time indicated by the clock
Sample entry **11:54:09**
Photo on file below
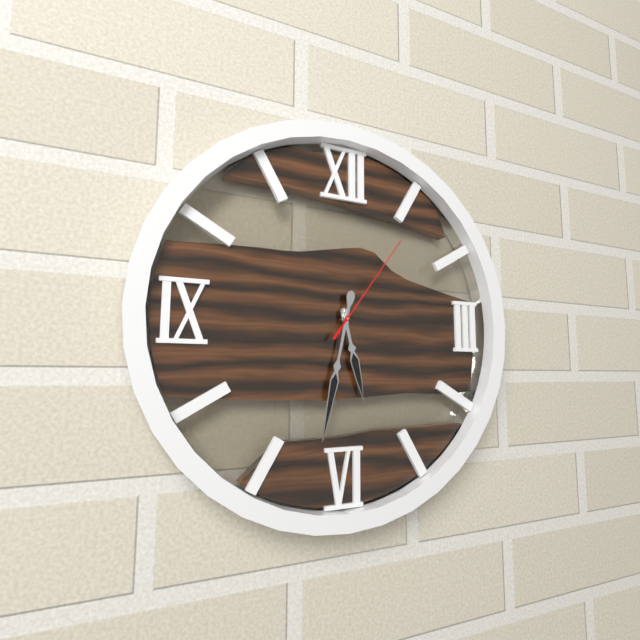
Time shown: **5:32:06**
